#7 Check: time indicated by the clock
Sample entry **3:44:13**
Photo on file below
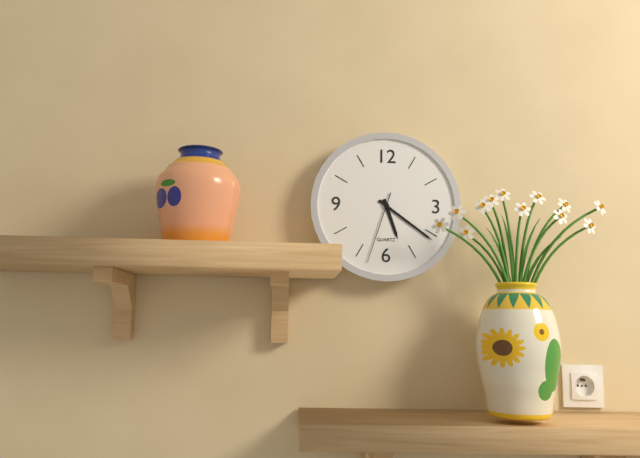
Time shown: **5:21:33**
